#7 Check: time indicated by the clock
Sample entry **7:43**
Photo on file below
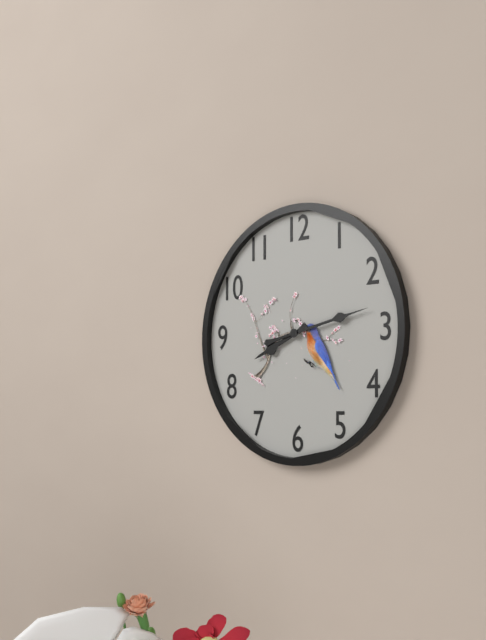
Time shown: **8:13**
